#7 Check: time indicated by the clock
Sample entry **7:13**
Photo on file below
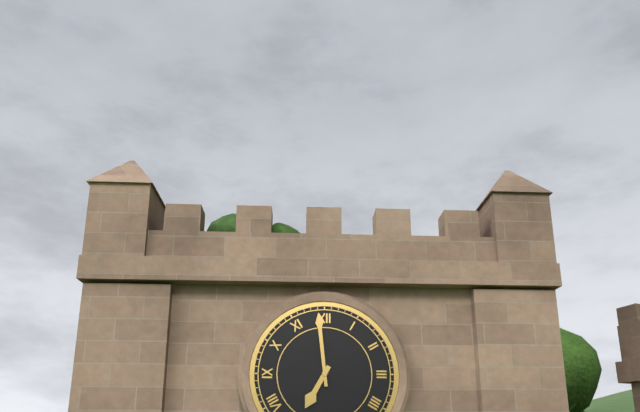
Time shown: **6:59**
